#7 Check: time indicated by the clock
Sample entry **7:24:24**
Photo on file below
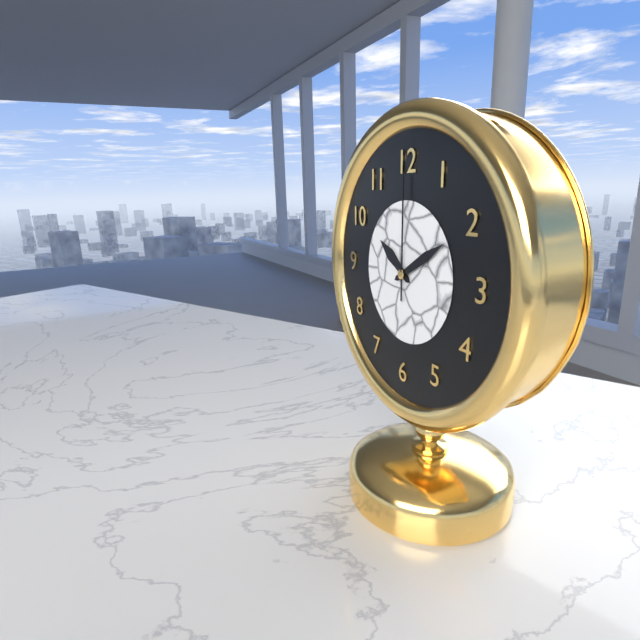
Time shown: **10:10:00**
